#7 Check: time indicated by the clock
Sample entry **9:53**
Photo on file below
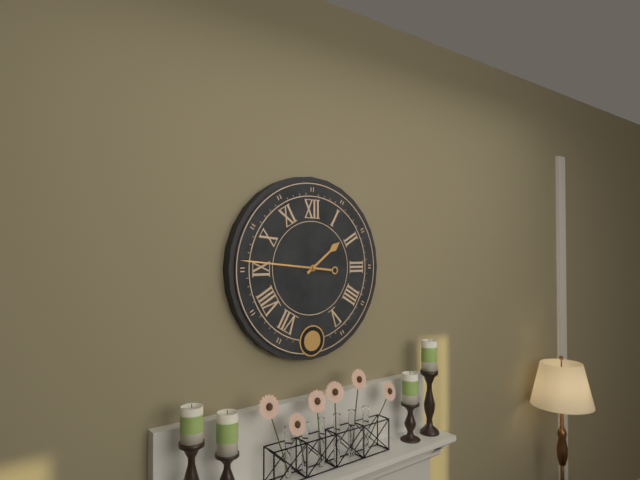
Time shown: **1:46**
